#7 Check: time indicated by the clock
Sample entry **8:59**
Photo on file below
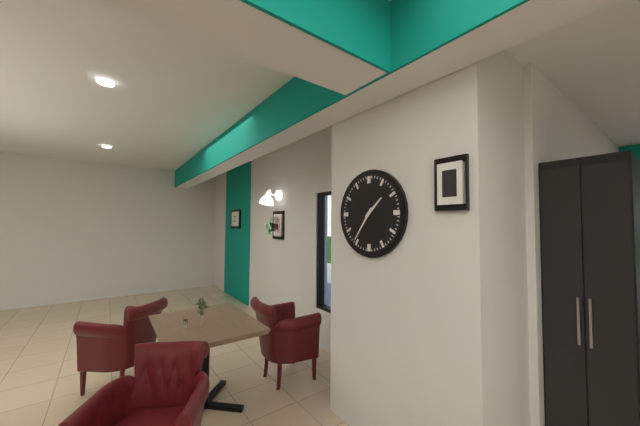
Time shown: **1:36**
